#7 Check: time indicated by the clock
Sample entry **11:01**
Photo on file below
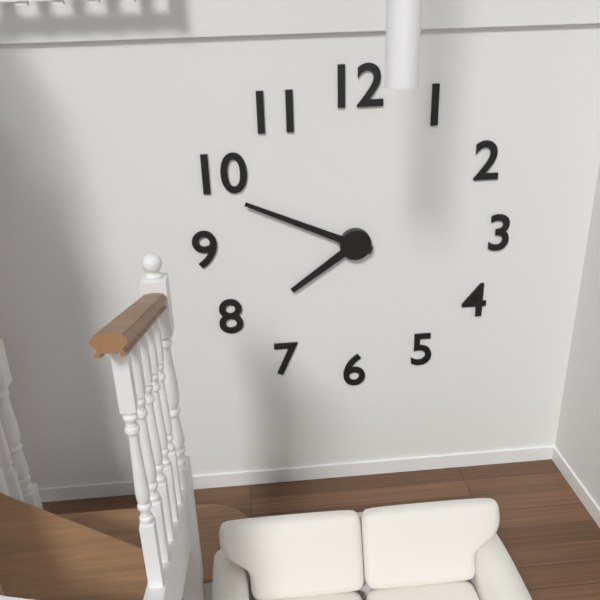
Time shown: **7:49**
